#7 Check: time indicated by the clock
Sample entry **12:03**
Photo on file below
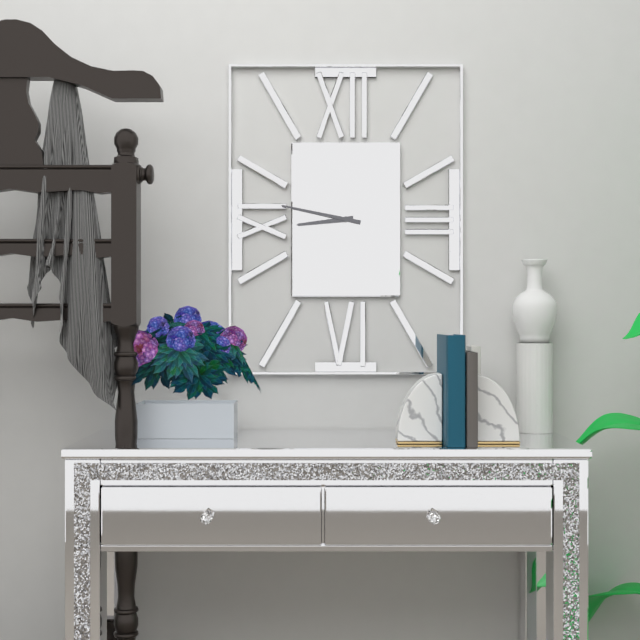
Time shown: **8:47**
